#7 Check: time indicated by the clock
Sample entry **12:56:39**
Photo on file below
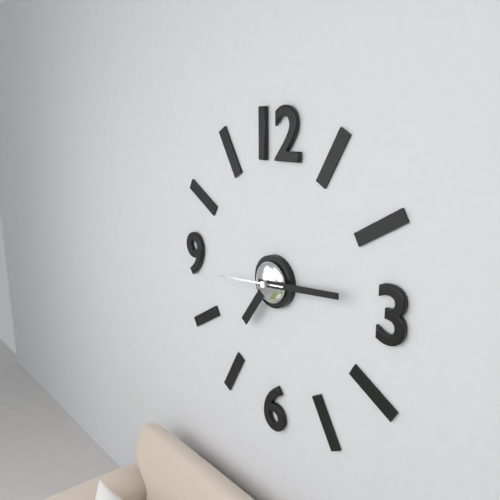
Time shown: **7:14:44**
